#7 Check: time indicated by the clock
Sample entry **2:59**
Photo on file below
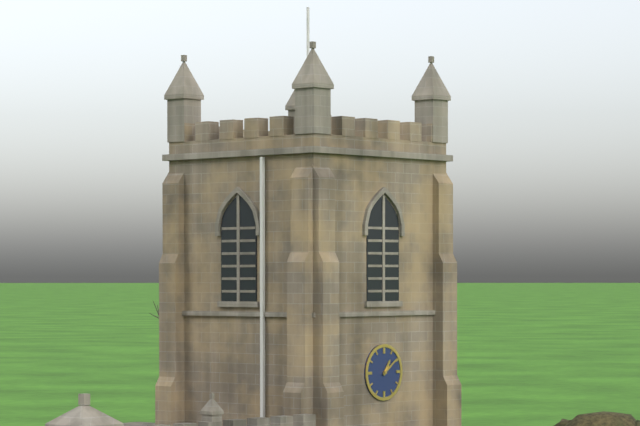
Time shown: **1:09**
